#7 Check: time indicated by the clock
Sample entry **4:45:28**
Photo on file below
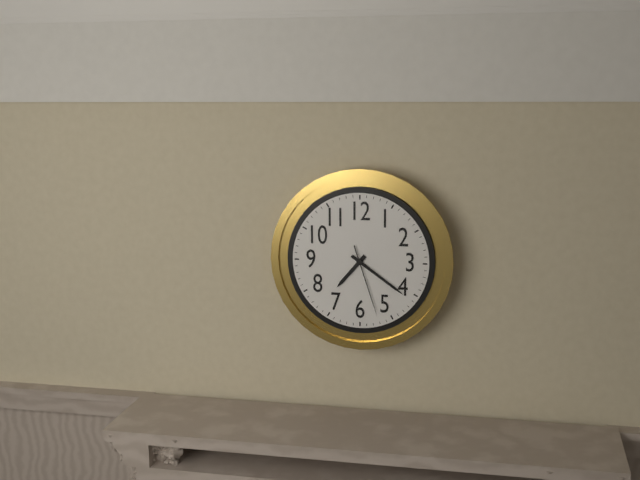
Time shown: **7:21:27**
